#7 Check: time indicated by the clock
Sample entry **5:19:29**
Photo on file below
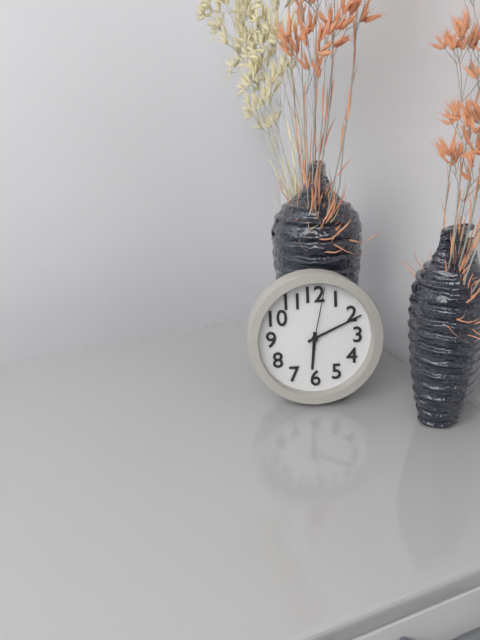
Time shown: **6:11:02**
